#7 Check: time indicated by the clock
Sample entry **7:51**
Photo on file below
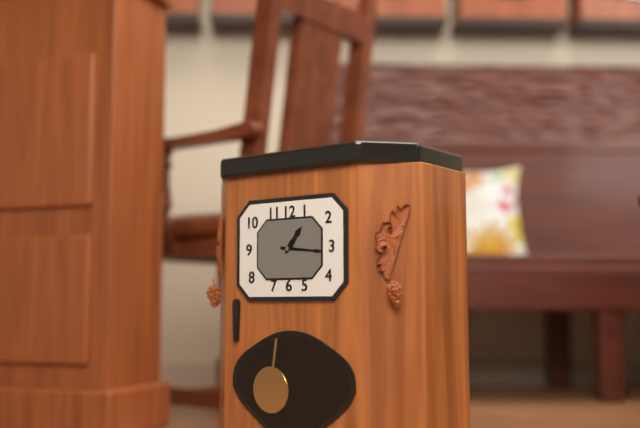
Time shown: **1:16**
